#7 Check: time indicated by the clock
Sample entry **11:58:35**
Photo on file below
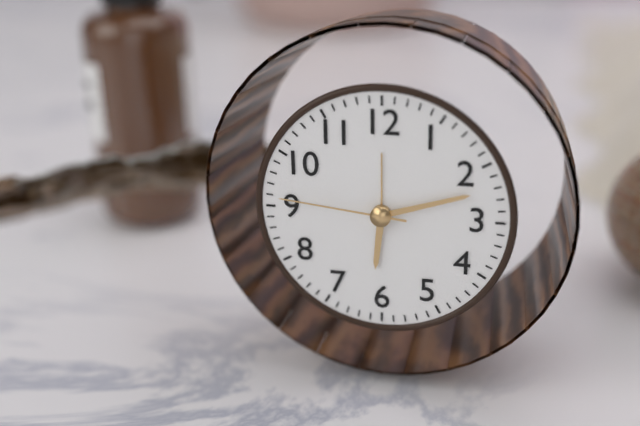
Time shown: **6:12:46**
